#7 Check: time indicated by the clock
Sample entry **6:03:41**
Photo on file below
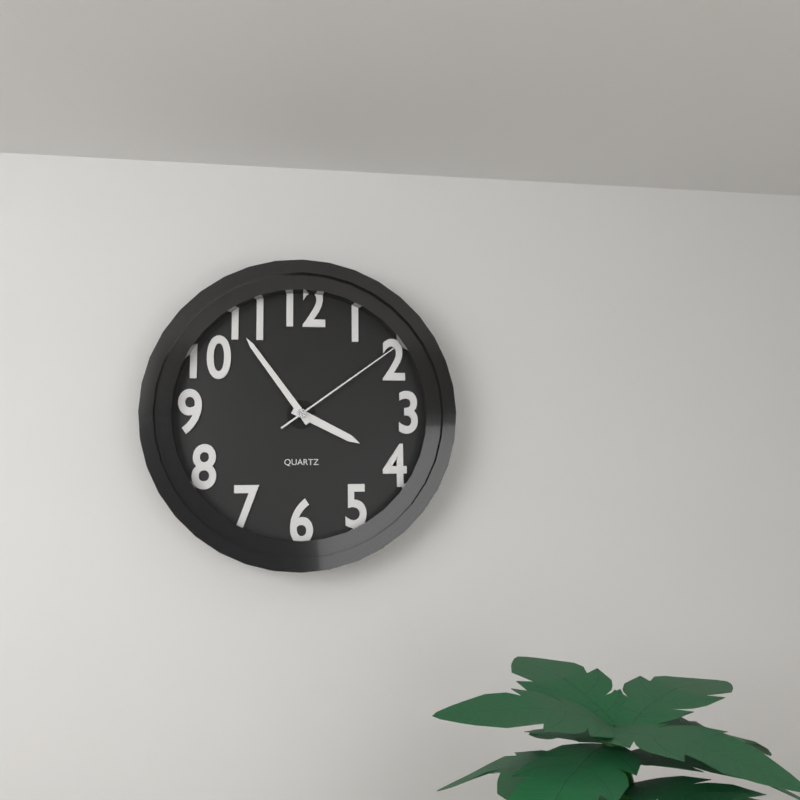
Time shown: **3:54:09**
